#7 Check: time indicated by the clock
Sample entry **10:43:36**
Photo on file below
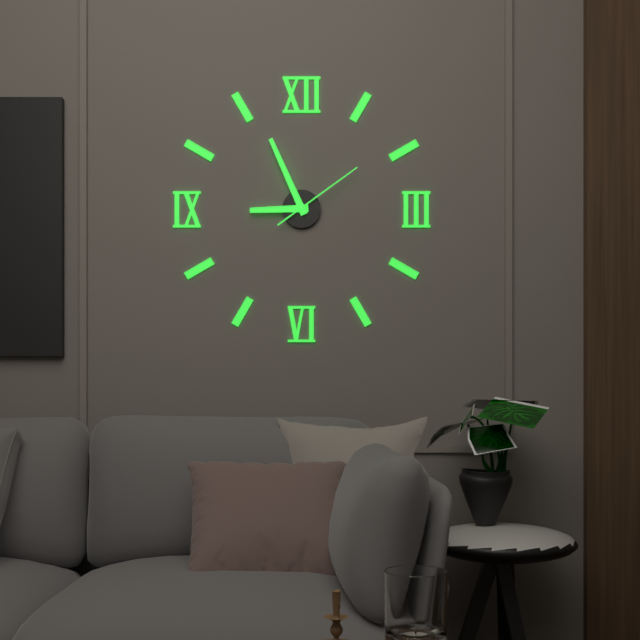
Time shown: **8:56:09**
